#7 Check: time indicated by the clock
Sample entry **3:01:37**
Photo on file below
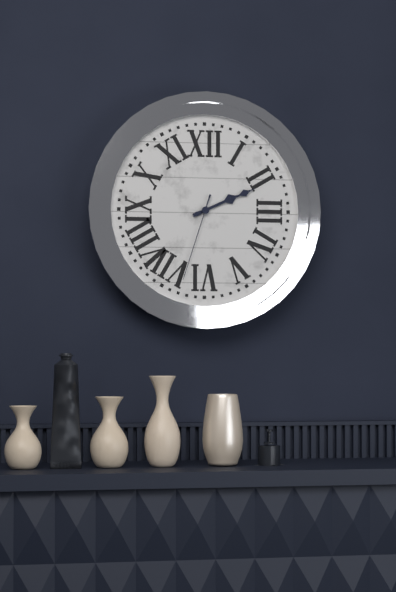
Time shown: **2:11:33**
